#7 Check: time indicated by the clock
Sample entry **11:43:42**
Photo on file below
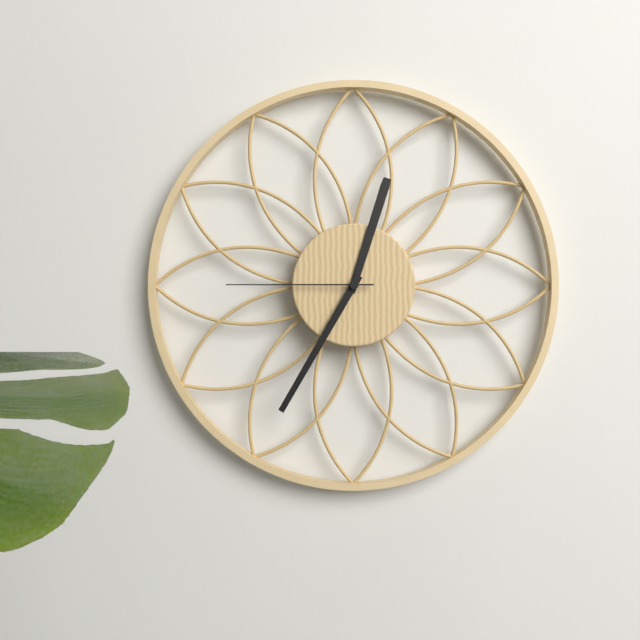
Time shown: **12:35:45**
